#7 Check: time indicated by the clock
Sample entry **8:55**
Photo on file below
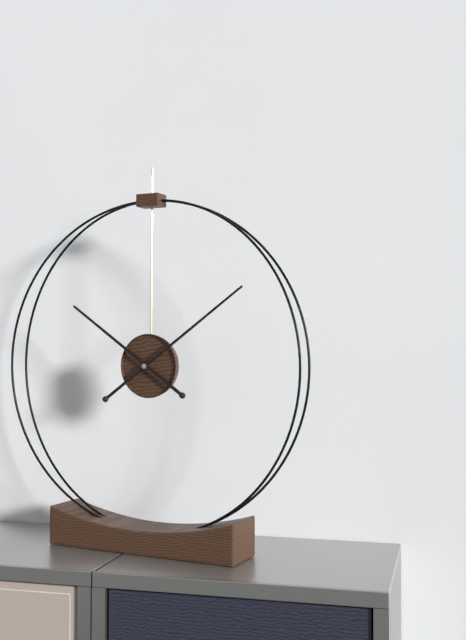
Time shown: **10:09**
